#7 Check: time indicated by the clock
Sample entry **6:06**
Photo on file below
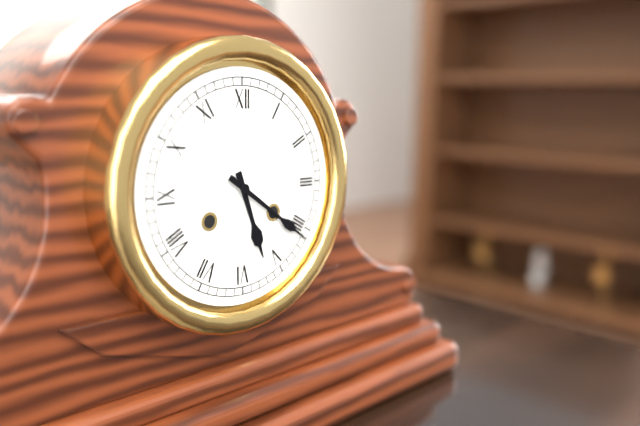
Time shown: **5:21**
